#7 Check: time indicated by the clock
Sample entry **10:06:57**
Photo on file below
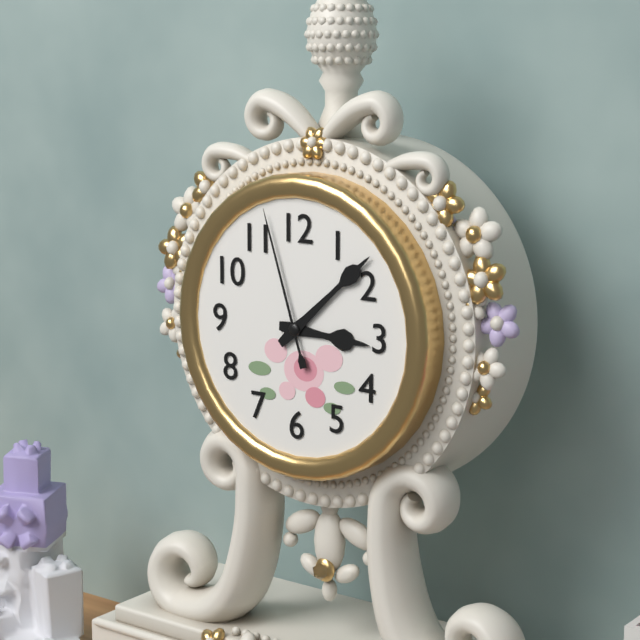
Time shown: **3:08:57**
